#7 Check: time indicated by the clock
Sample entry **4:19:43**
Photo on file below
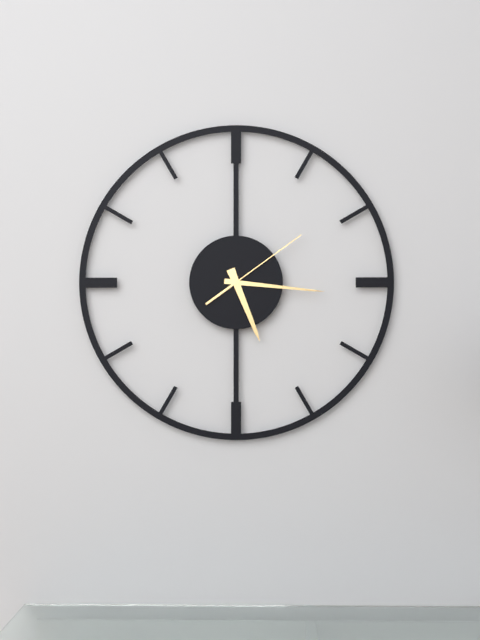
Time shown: **5:16:09**
